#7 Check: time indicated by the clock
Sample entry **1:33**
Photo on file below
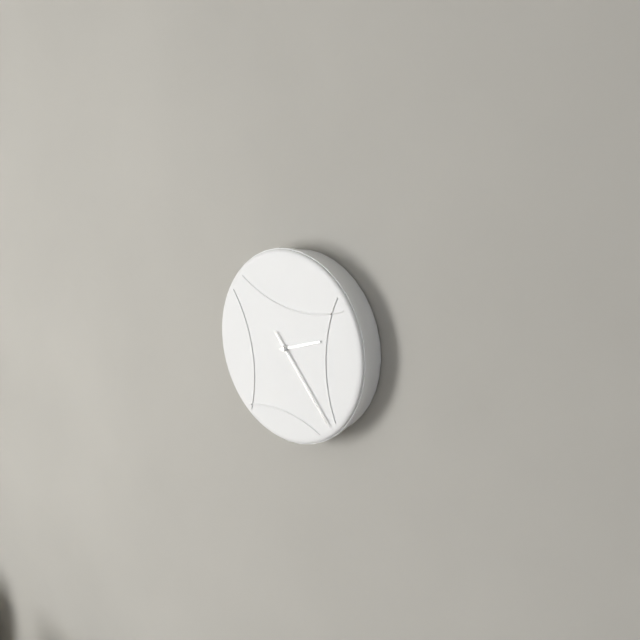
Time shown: **2:23**
